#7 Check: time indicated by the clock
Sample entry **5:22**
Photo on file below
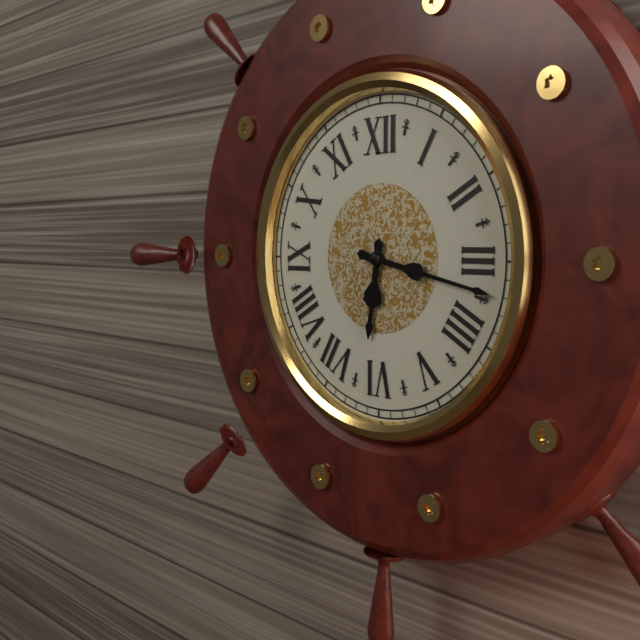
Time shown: **6:17**
